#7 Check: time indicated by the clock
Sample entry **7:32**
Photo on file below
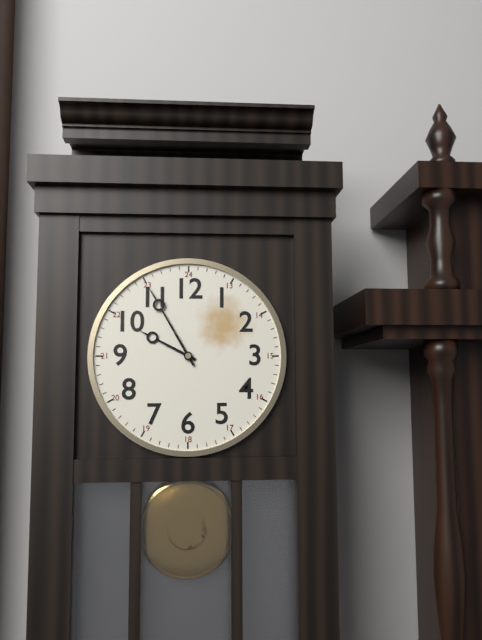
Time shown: **9:55**
